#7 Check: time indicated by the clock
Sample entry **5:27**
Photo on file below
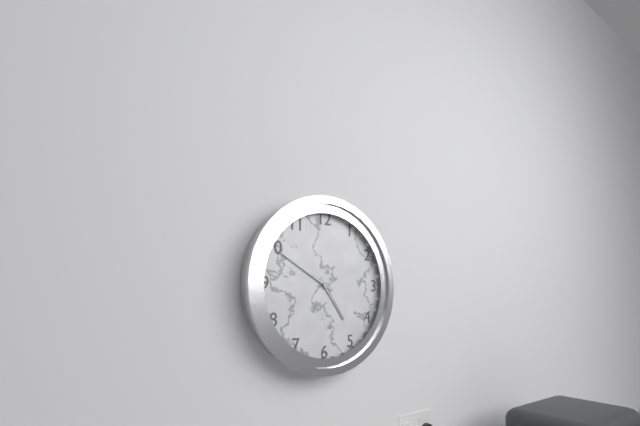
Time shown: **4:50**
